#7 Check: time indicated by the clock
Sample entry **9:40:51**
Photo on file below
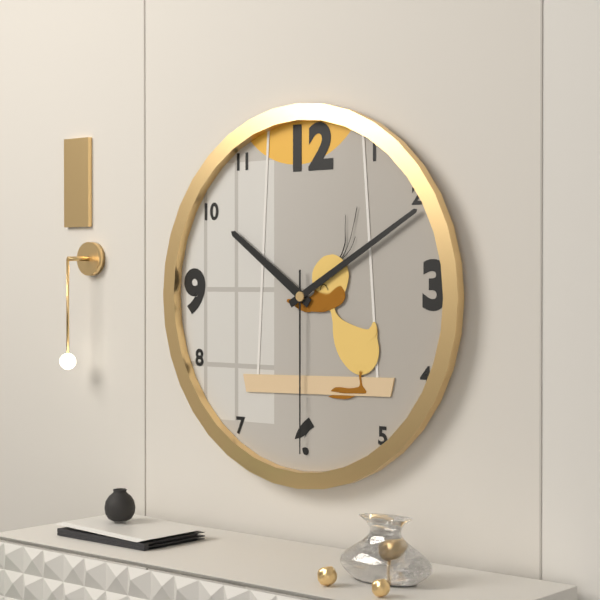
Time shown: **10:10:30**
